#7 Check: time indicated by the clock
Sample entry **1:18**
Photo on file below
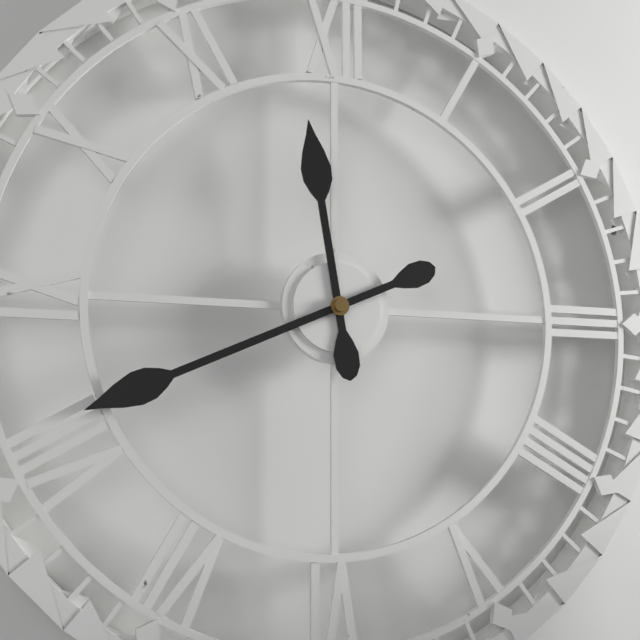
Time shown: **11:41**
